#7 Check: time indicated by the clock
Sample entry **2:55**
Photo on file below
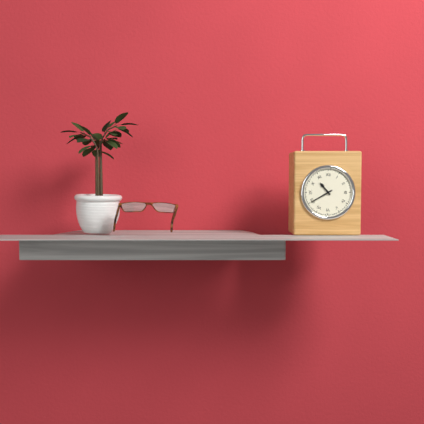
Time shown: **10:40**
